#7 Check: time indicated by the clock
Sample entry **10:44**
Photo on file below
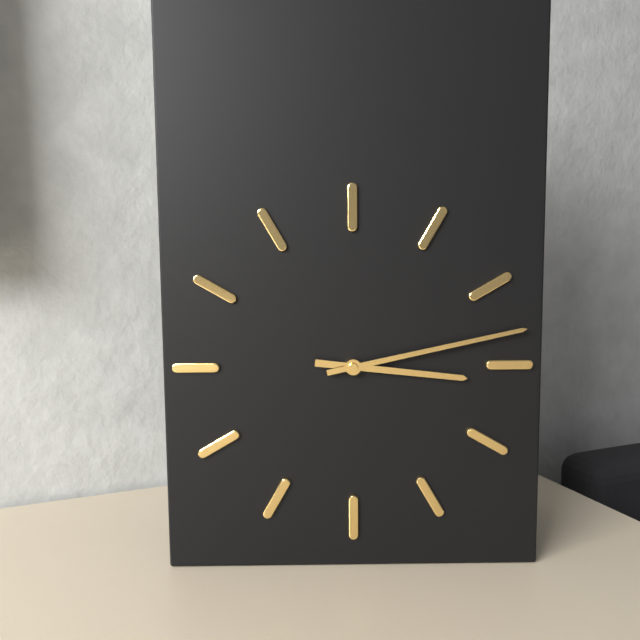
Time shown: **3:13**
